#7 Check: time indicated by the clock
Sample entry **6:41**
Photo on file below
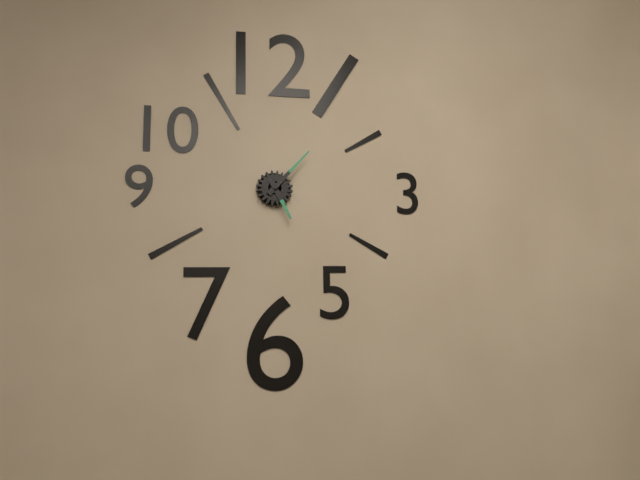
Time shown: **5:07**
